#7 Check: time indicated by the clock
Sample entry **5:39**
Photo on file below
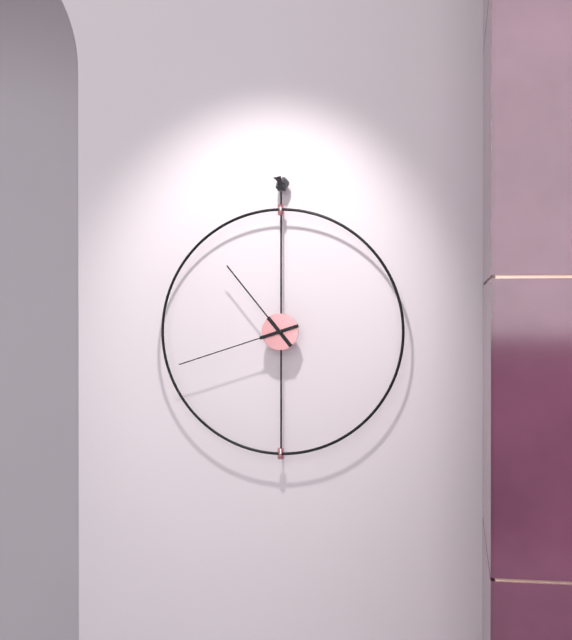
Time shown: **10:42**
